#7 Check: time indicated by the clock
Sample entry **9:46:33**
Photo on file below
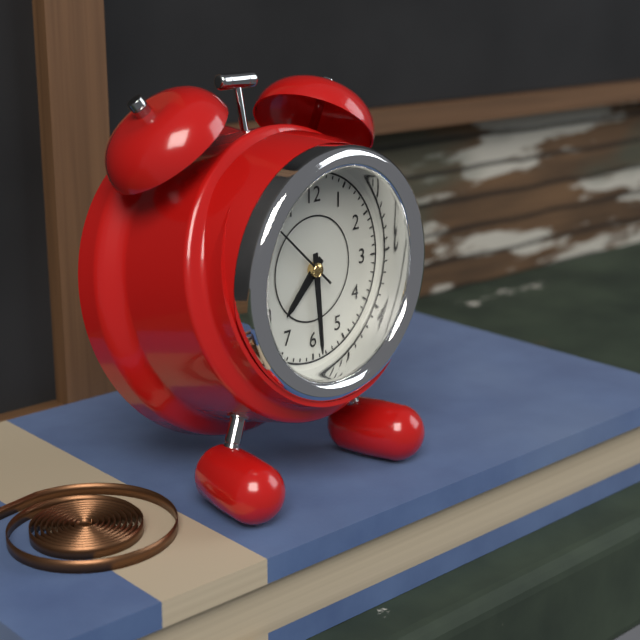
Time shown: **7:29:52**
